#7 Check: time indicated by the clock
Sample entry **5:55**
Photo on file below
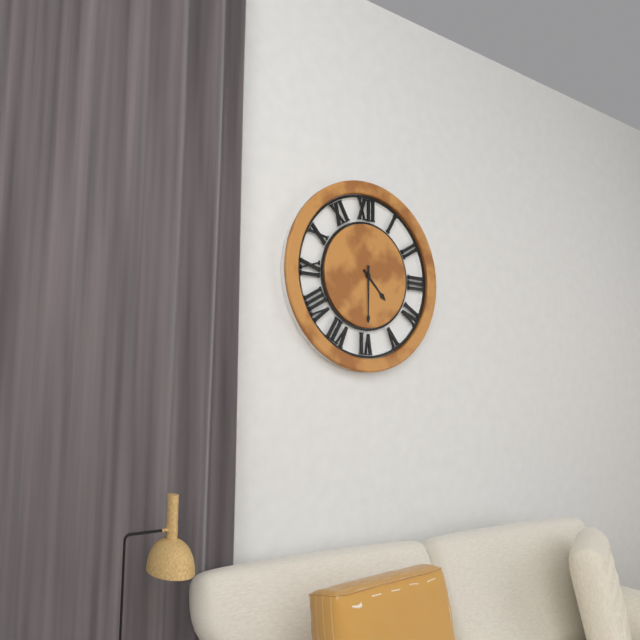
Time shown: **4:30**
